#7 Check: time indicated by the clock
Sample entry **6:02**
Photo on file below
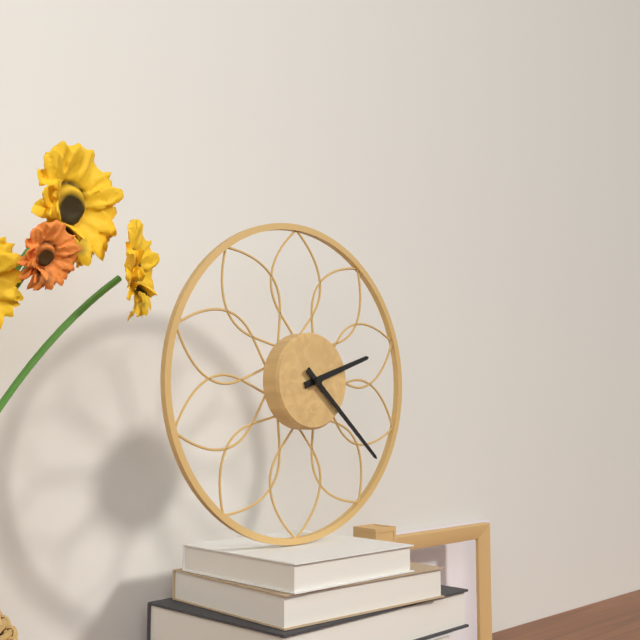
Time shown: **2:22**
